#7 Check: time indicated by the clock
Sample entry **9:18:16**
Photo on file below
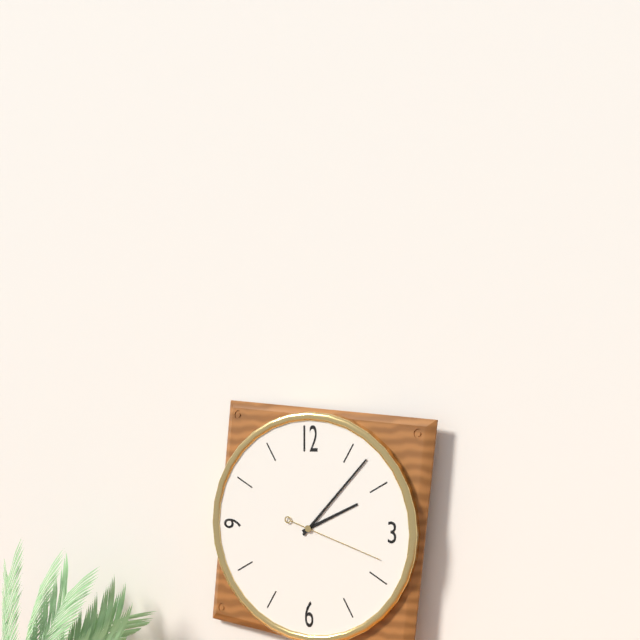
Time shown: **2:07:18**
